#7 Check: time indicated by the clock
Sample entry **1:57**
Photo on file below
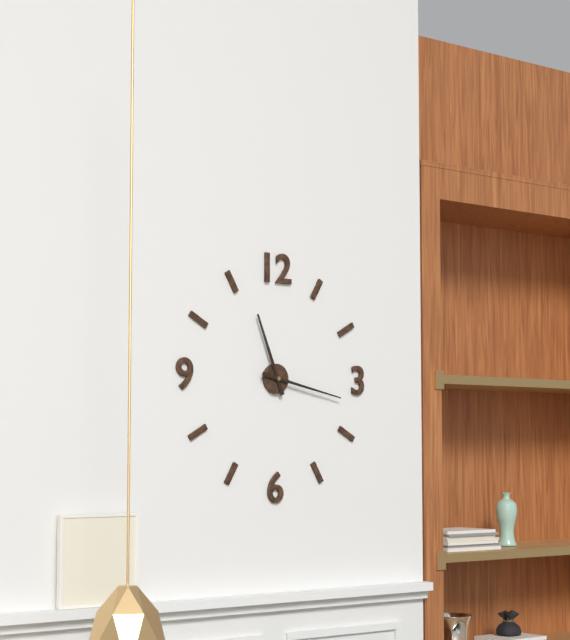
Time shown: **11:17**
